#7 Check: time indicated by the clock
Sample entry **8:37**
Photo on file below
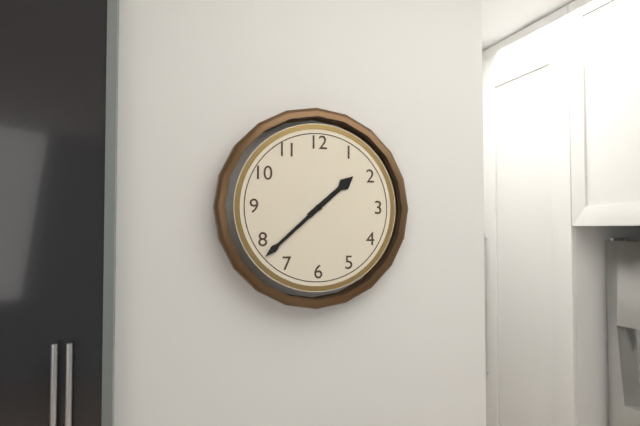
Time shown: **1:38**
